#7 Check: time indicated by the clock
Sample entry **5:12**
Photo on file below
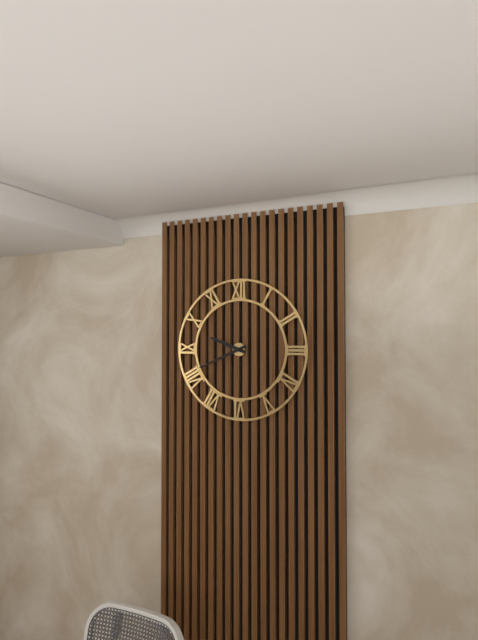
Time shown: **9:41**
